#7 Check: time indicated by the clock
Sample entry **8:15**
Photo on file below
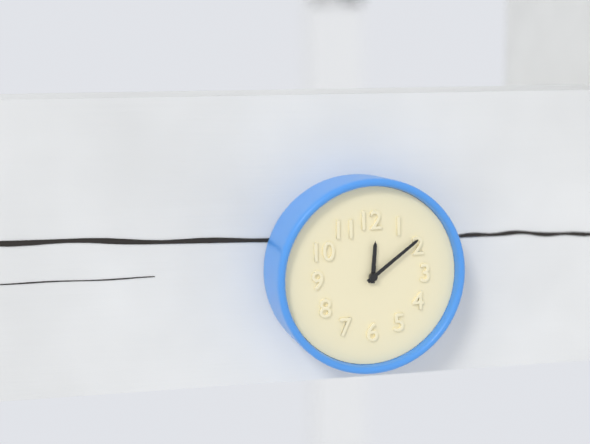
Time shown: **12:09**
